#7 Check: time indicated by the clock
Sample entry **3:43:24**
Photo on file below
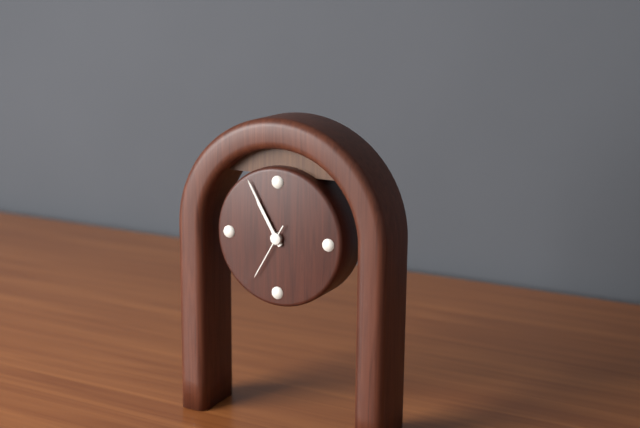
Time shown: **10:55:35**
